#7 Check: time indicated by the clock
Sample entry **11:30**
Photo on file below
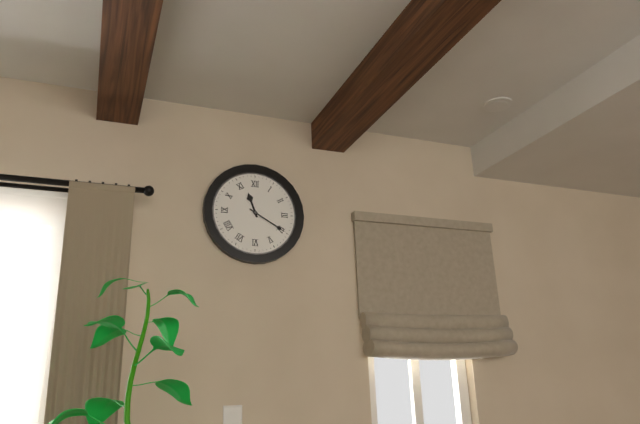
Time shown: **11:20**
